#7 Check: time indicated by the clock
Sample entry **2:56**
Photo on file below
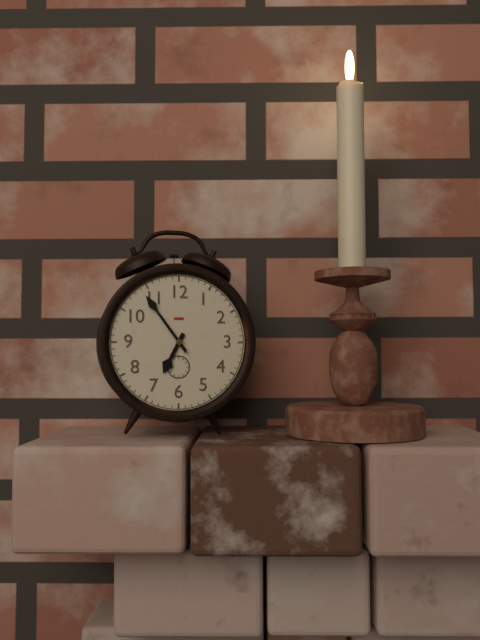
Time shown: **6:54**
